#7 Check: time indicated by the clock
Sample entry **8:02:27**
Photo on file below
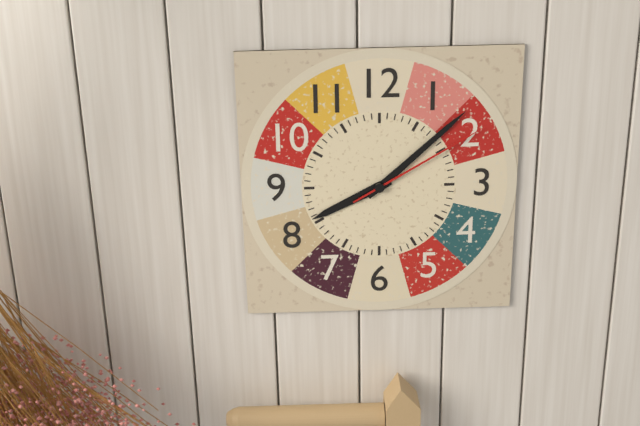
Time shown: **8:08:10**
